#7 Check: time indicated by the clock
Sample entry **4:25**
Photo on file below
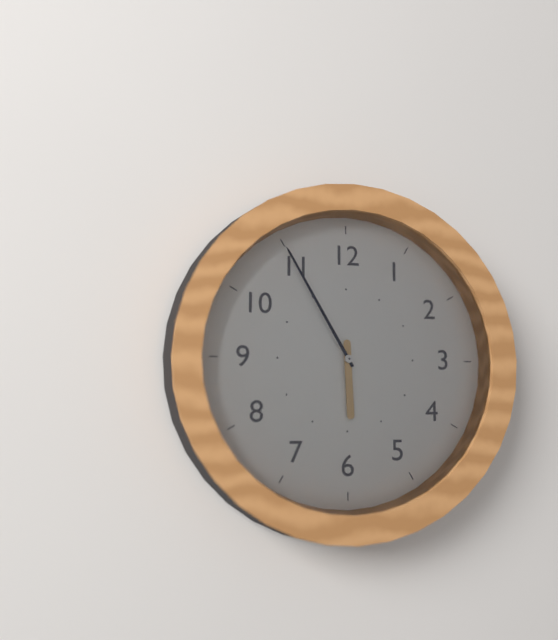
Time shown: **5:55**
